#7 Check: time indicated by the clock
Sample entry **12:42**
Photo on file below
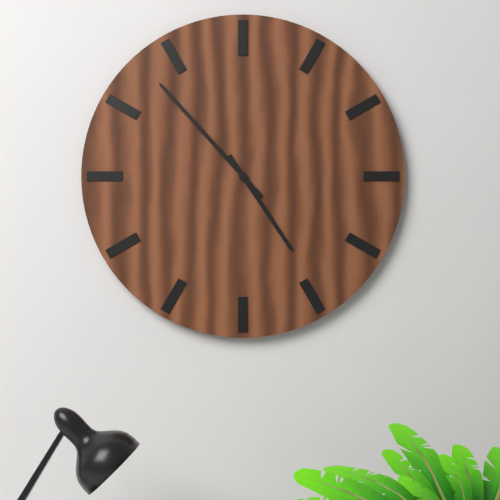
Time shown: **4:53**
